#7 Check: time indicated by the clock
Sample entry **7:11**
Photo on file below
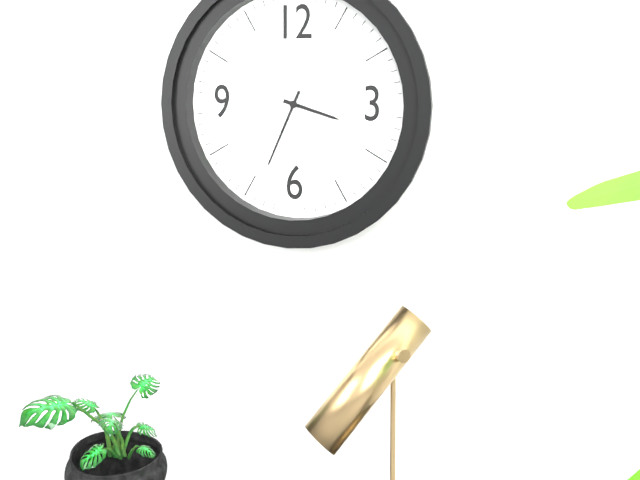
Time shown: **3:34**
